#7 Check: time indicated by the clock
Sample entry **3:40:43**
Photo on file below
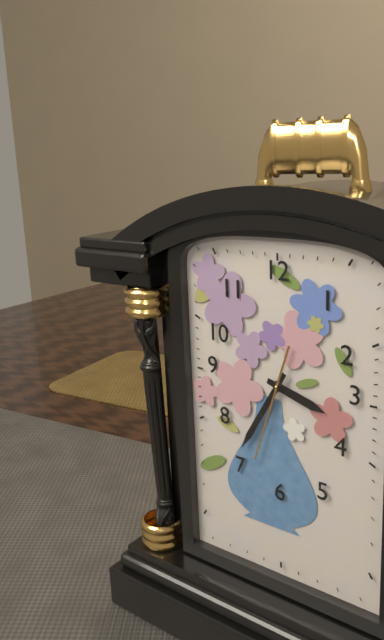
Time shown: **3:35:33**
